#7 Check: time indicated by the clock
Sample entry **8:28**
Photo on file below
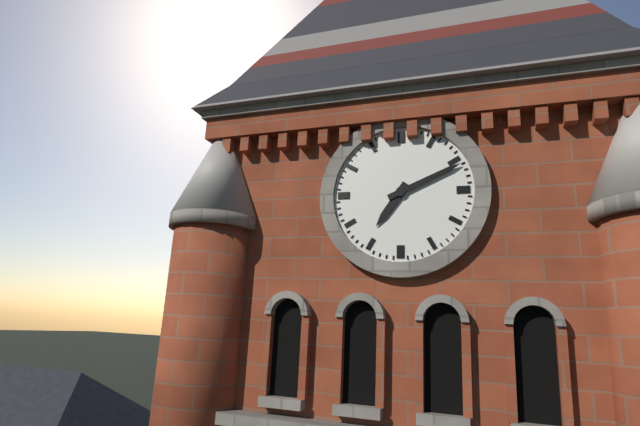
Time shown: **7:11**
